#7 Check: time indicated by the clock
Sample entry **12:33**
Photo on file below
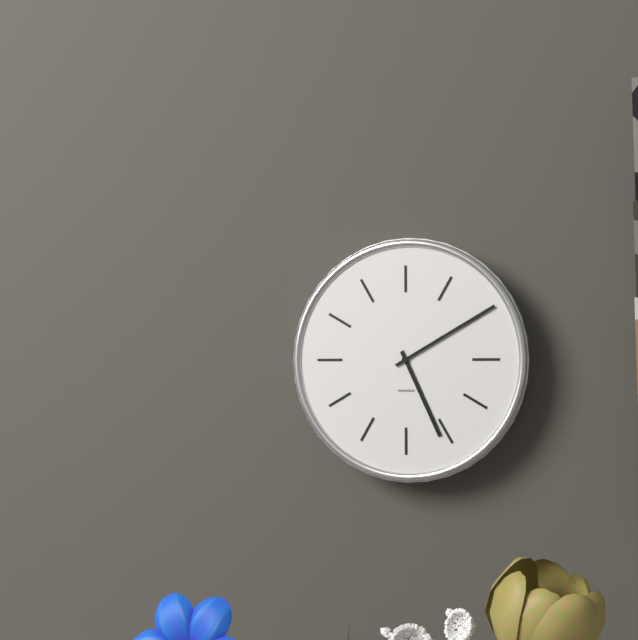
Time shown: **5:10**
